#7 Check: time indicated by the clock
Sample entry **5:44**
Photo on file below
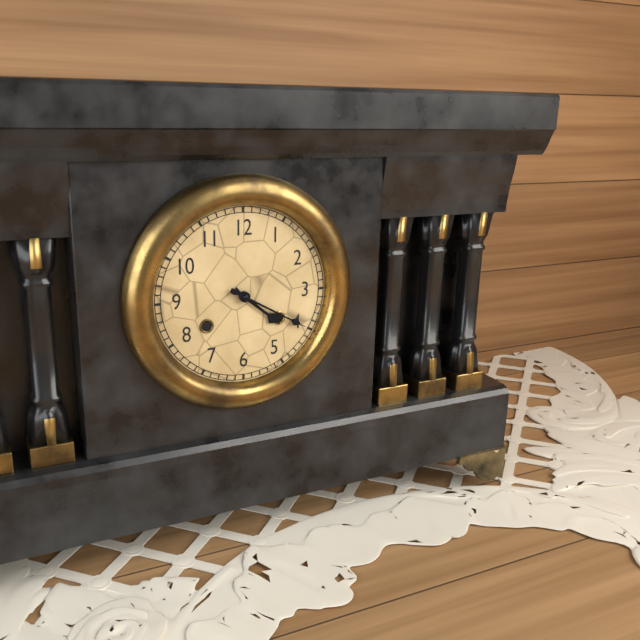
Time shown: **4:20**
